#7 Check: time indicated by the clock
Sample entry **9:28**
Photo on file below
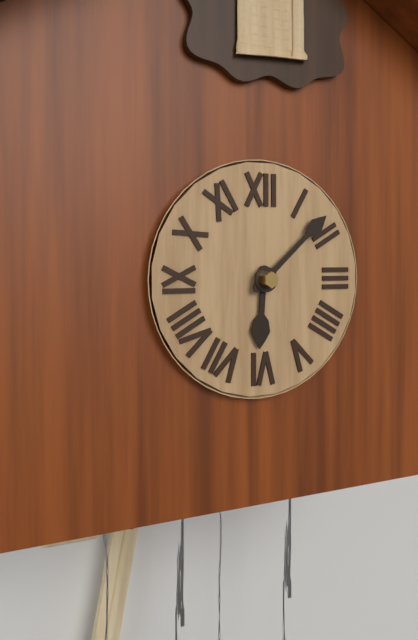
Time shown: **6:08**
